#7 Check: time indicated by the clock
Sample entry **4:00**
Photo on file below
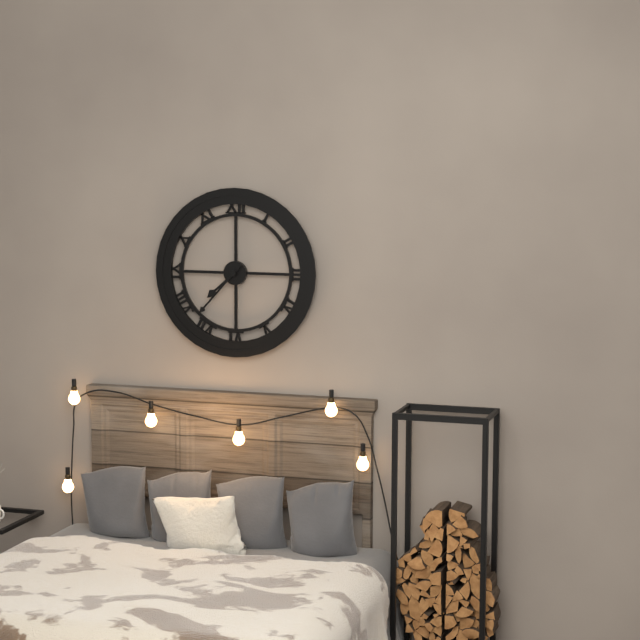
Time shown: **7:37**
